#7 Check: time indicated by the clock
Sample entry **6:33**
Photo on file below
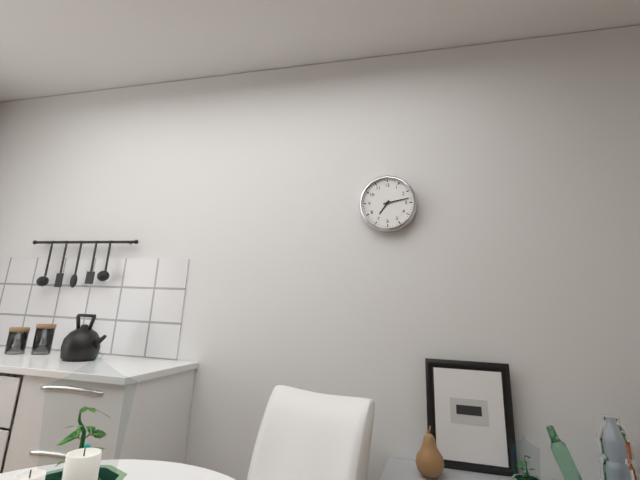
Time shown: **7:13**
